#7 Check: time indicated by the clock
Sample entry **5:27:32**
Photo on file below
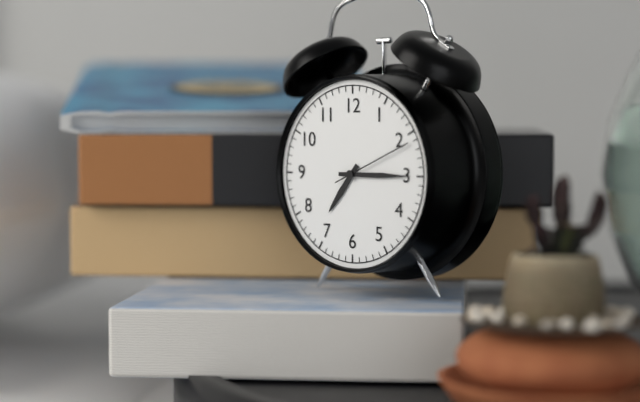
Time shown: **7:15:11**
